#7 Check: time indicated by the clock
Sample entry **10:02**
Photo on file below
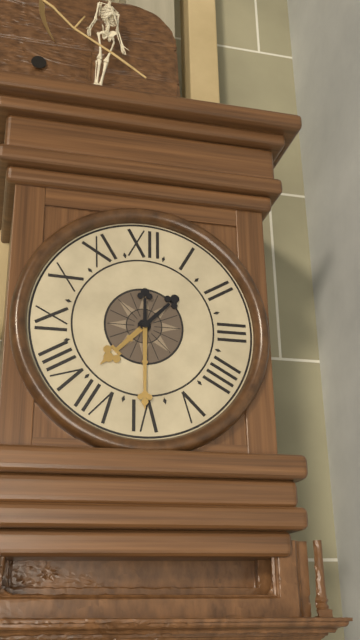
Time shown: **7:30**
